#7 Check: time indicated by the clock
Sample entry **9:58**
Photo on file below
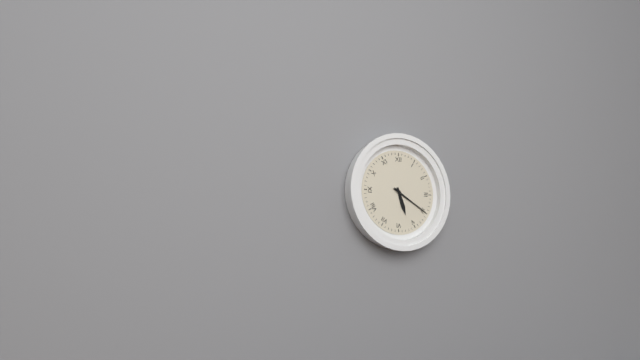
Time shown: **5:20**
